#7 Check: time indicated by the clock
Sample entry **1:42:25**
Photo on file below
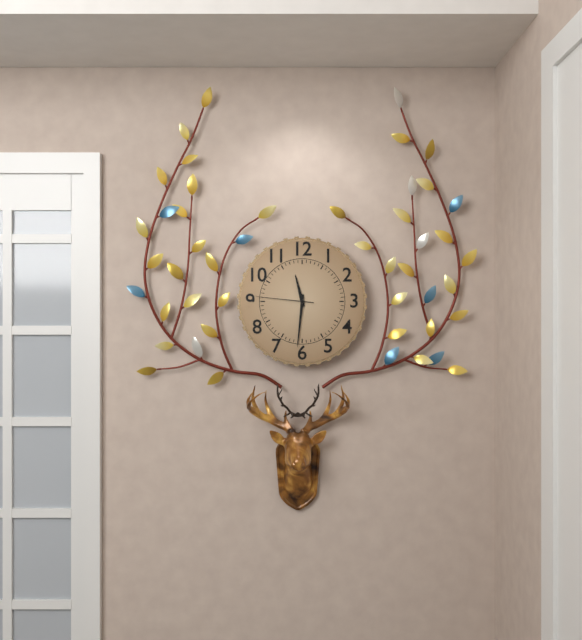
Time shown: **11:31:46**
